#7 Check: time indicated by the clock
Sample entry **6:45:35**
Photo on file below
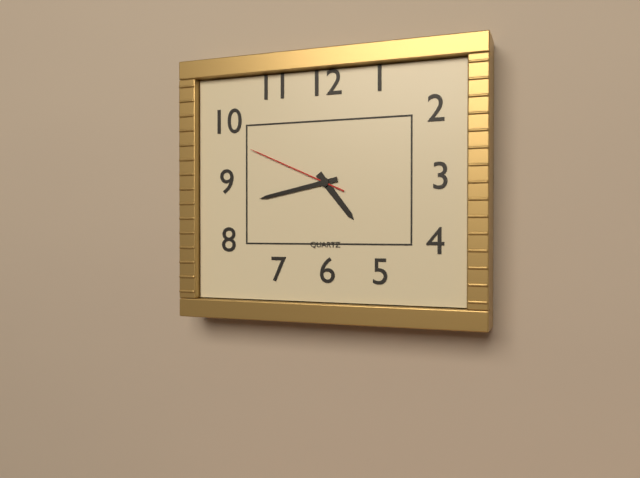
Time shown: **4:43:49**
